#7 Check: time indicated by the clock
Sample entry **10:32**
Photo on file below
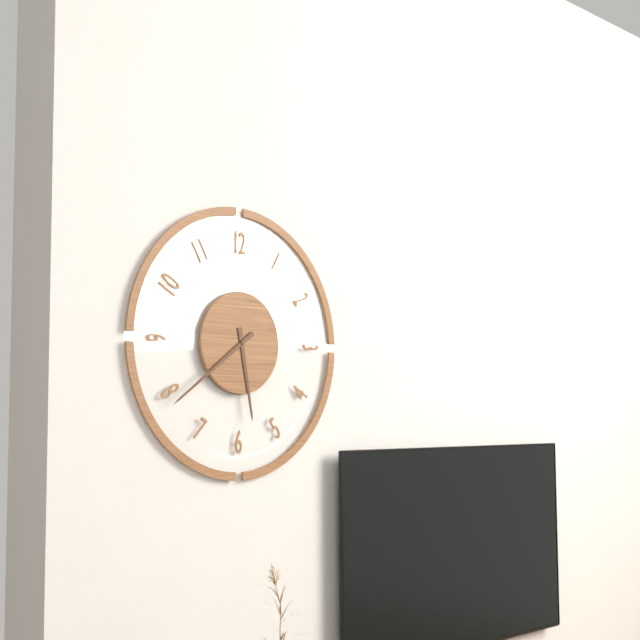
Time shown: **5:39**
